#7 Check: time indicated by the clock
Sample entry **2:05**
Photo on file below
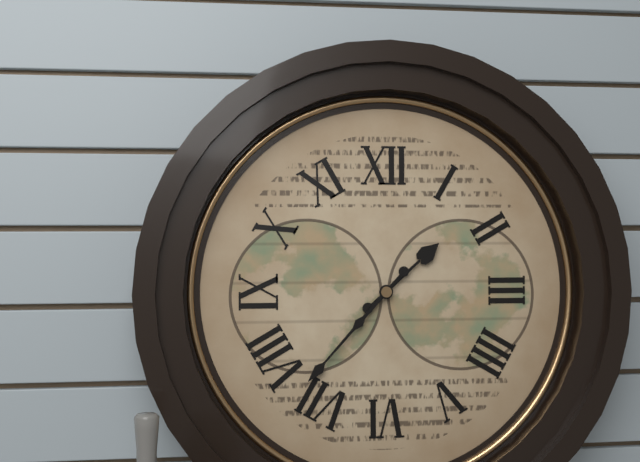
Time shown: **1:37**
